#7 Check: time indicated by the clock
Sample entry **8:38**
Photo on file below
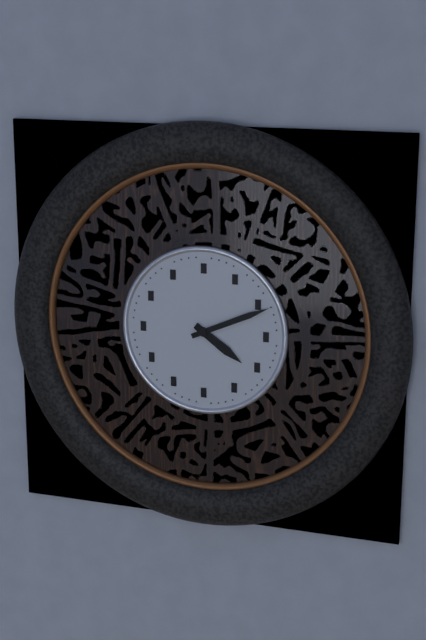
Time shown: **4:11**
